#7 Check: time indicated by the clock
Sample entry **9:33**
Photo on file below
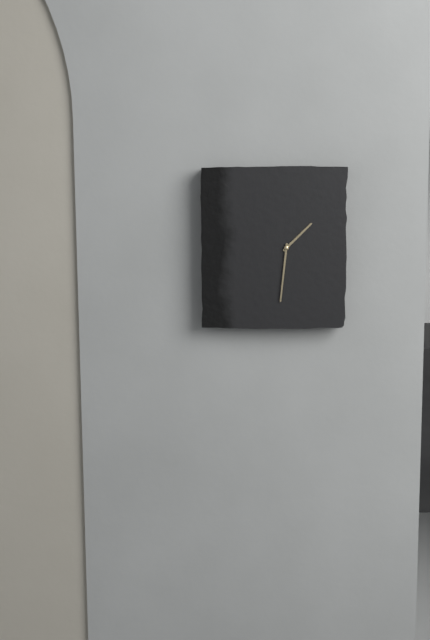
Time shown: **1:31**
